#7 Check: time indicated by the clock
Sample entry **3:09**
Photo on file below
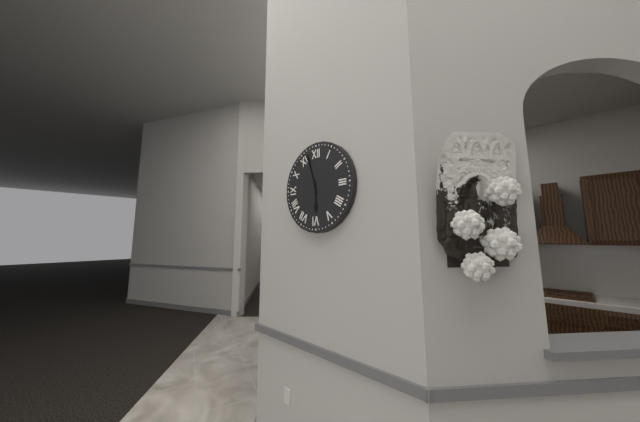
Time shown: **5:57**
